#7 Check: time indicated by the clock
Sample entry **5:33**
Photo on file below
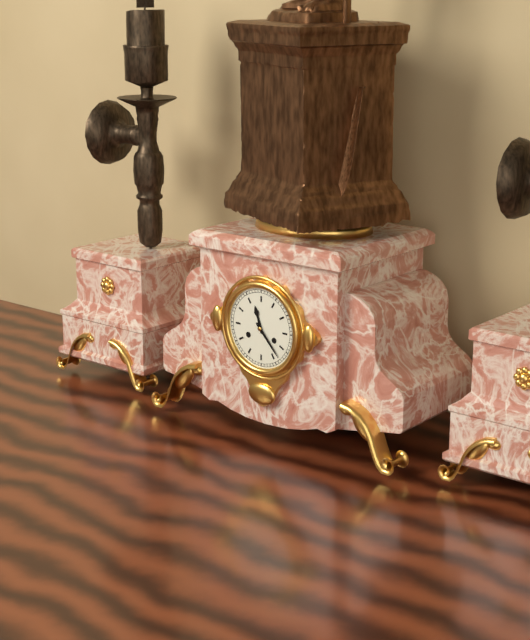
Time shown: **11:23**
